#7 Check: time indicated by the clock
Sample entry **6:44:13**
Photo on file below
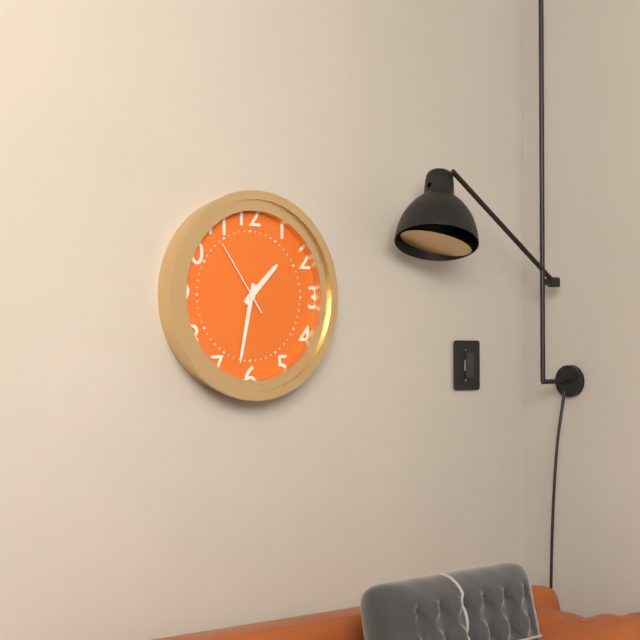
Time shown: **1:32:54**
